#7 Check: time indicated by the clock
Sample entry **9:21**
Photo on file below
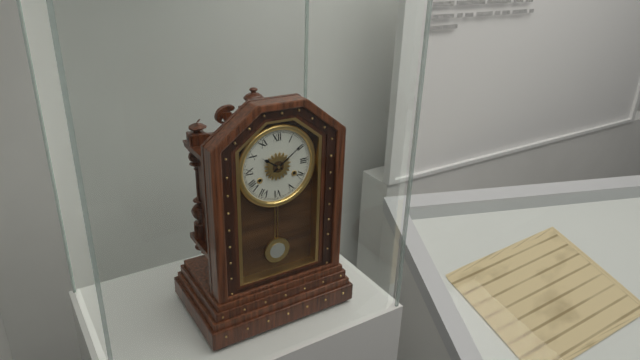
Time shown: **10:09**
